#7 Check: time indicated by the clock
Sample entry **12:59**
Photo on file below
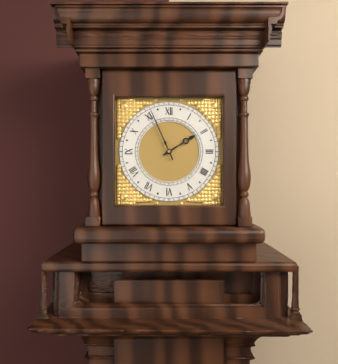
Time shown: **1:56**
